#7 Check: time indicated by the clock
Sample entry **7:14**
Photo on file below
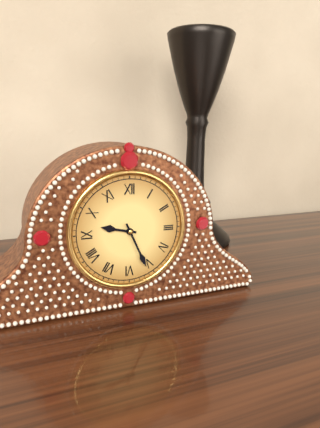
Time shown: **9:26**
